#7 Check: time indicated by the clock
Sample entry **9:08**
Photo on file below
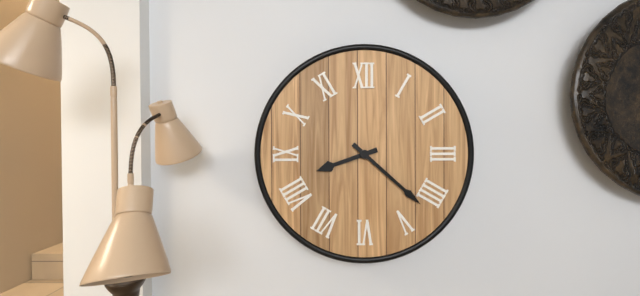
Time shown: **8:22**
